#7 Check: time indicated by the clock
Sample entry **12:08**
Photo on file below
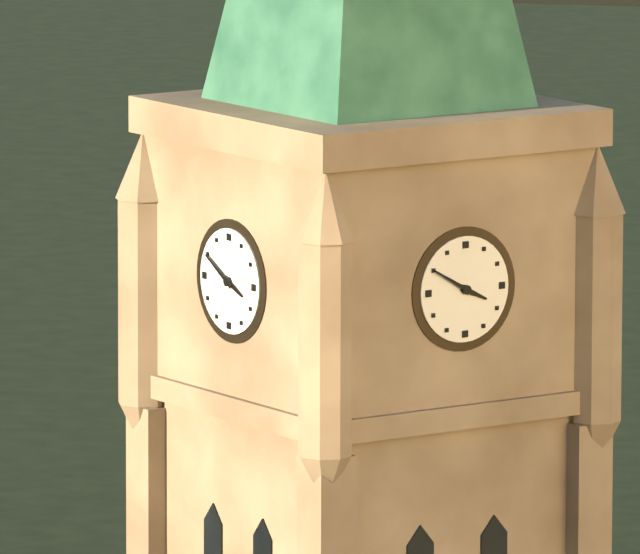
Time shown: **3:50**
